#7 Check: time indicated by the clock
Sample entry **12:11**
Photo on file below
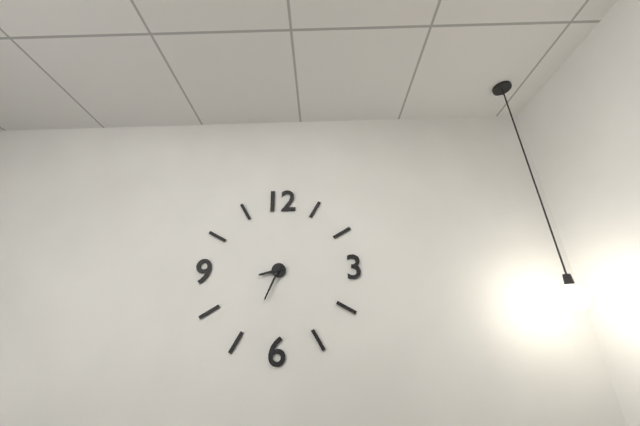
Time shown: **8:34**
